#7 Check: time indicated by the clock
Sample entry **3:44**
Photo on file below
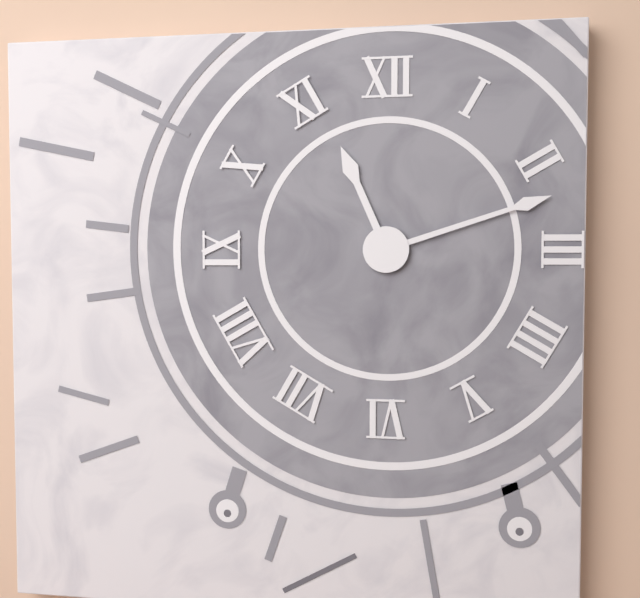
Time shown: **11:12**
